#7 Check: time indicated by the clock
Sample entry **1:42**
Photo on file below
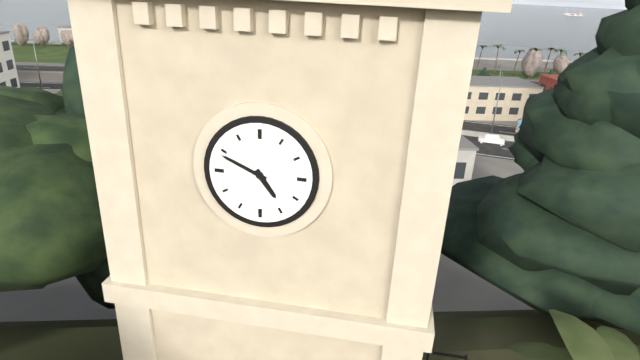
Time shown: **4:49**
